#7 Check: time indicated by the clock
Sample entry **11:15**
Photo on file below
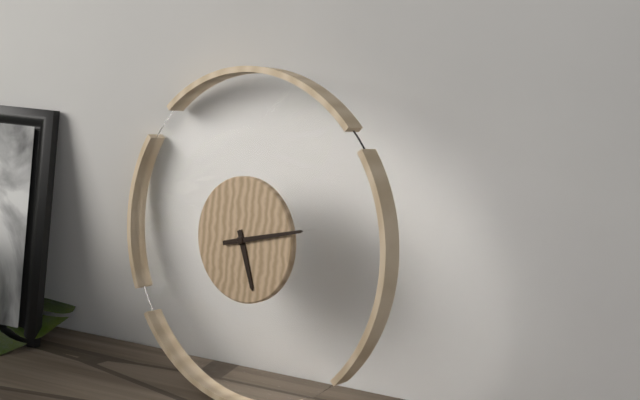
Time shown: **5:12**
